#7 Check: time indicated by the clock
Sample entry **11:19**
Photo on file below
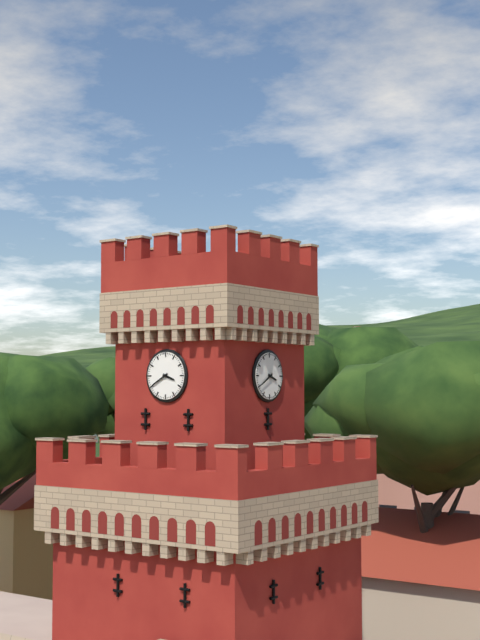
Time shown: **3:40**
